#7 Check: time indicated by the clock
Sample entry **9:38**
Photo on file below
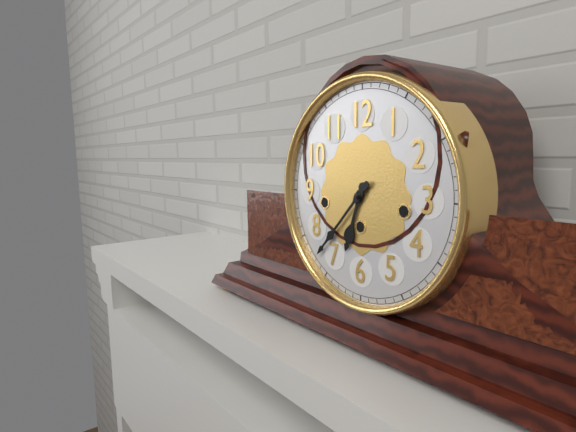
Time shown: **6:37**
